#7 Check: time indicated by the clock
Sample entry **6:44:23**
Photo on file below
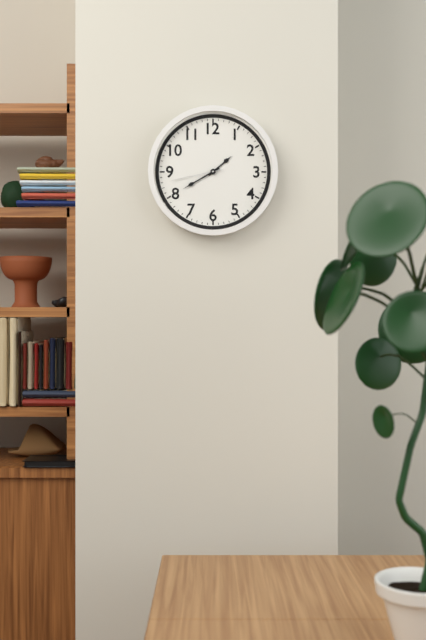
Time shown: **1:40:43**
